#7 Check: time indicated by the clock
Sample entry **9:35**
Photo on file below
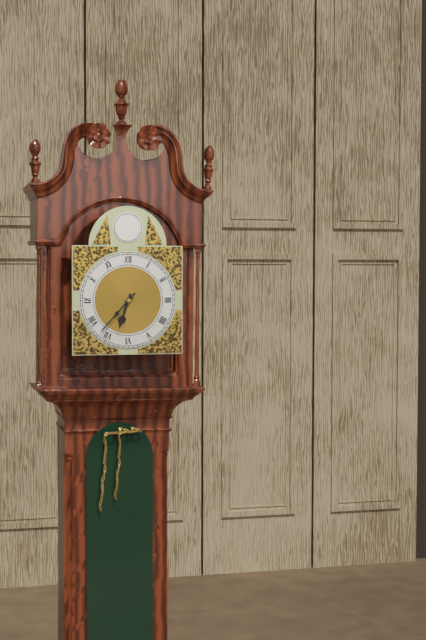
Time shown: **6:37**
